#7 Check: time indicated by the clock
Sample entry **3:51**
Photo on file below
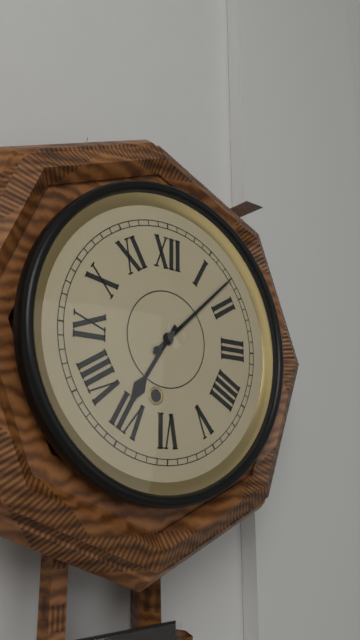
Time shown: **7:08**
